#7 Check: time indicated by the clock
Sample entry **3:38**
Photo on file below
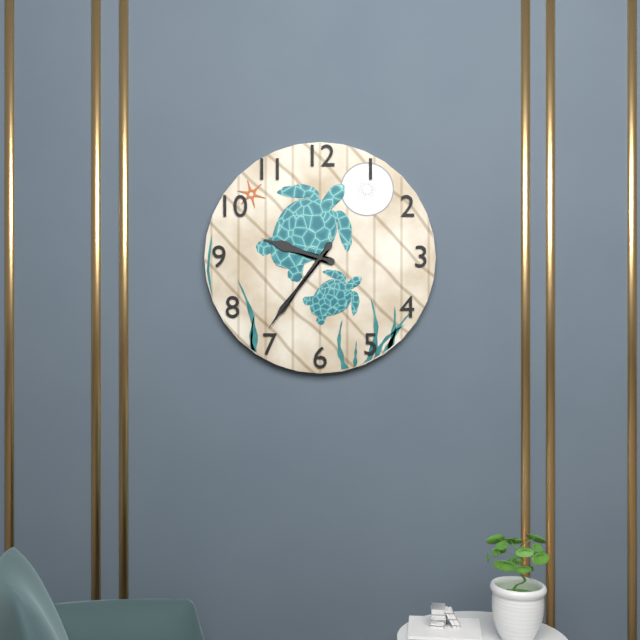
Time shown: **9:36**
